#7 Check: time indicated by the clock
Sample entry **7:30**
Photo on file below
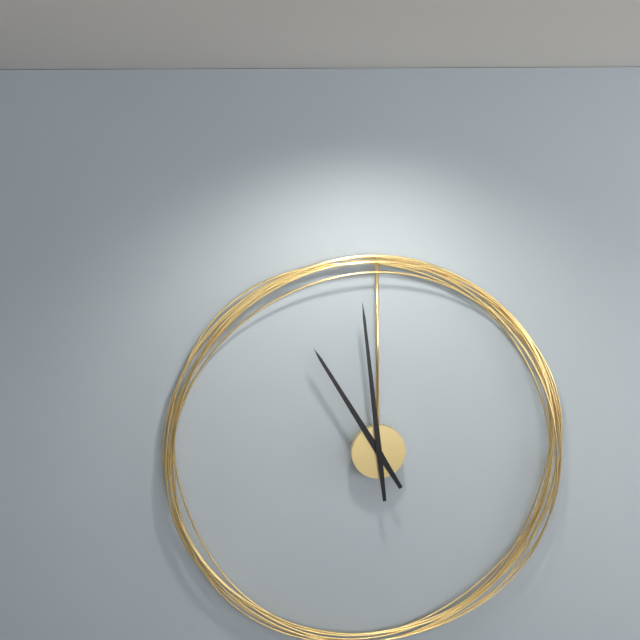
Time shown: **10:59**
